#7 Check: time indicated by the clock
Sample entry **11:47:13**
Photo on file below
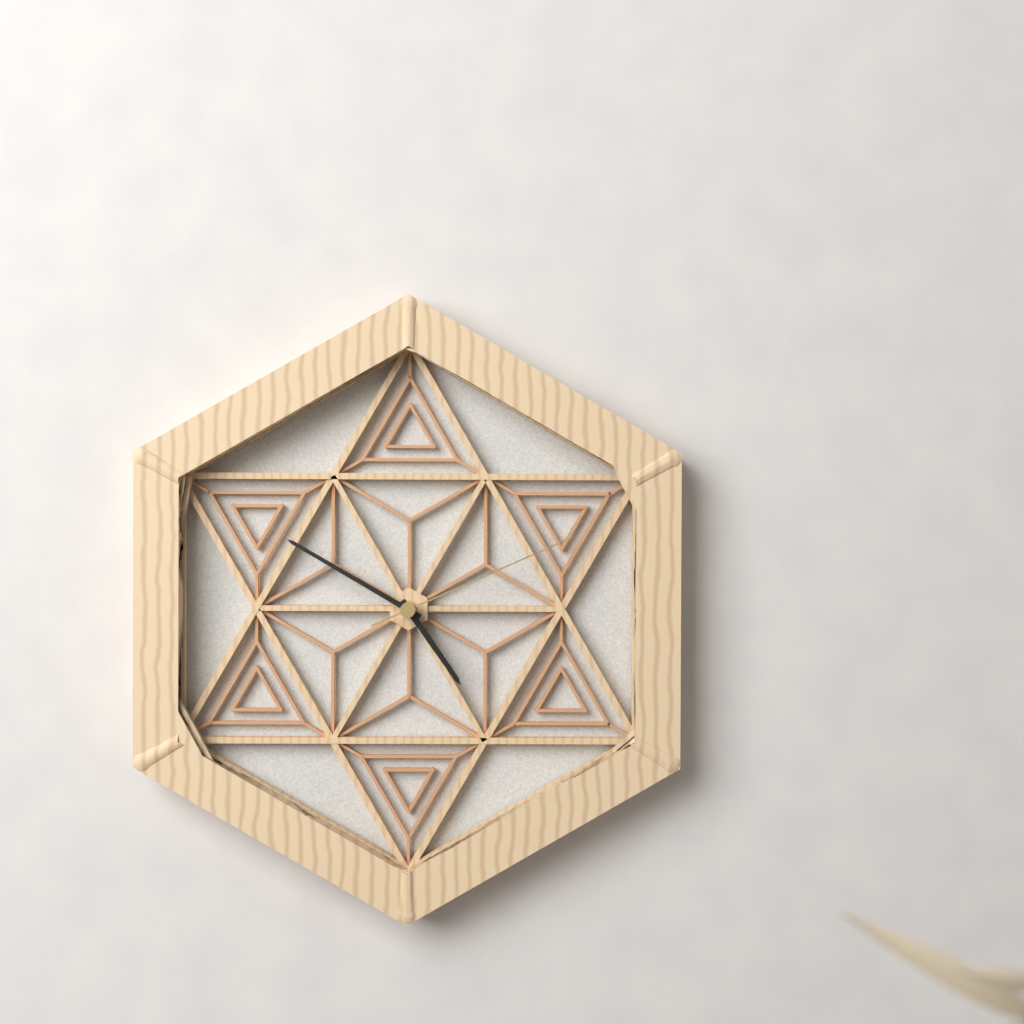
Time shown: **4:50:11**
